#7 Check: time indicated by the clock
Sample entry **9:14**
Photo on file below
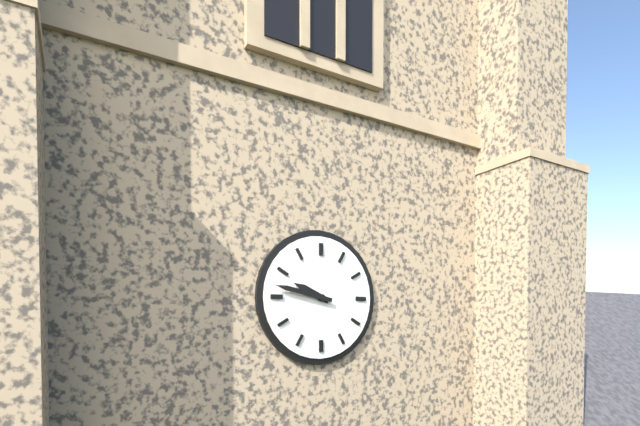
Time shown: **9:47**
